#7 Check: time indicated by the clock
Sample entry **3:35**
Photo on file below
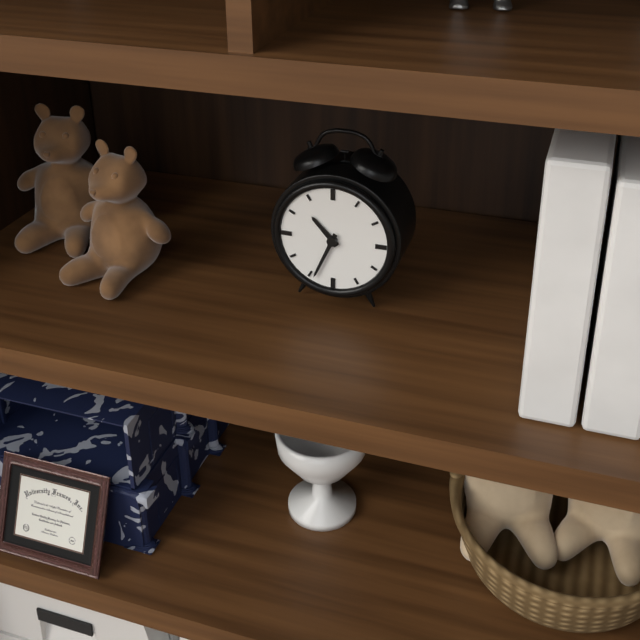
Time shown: **10:34**
